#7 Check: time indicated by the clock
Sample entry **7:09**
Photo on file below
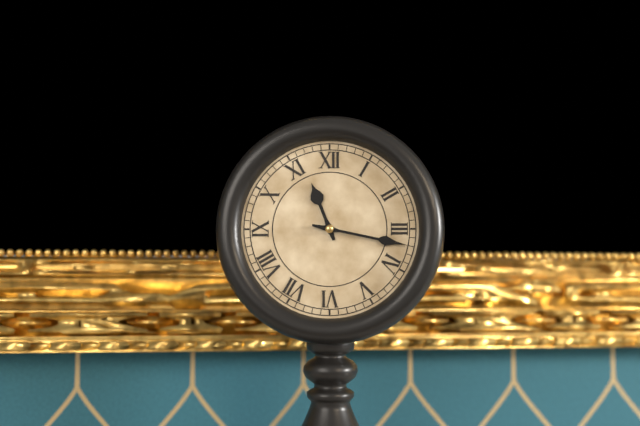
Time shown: **11:17**
